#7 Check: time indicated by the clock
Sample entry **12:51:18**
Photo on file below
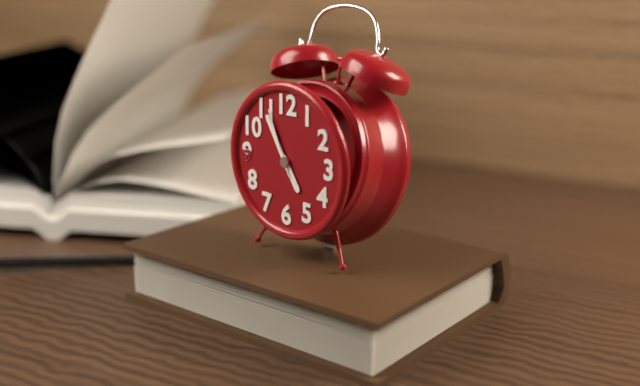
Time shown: **4:55:56**
